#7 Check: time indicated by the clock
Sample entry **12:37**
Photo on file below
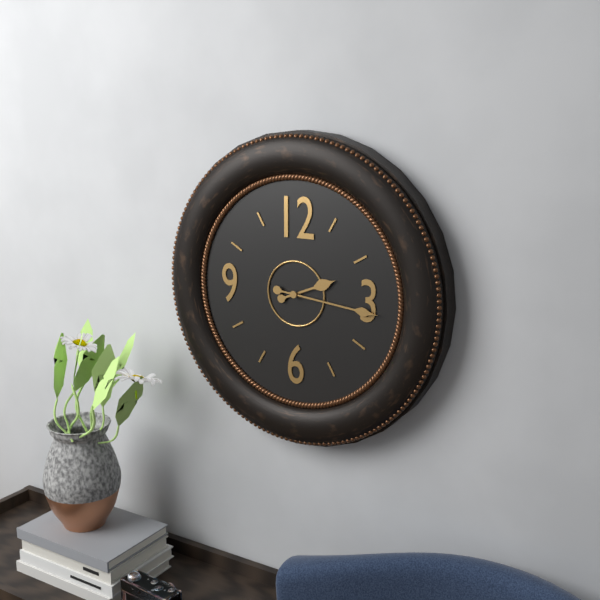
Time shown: **2:16**
